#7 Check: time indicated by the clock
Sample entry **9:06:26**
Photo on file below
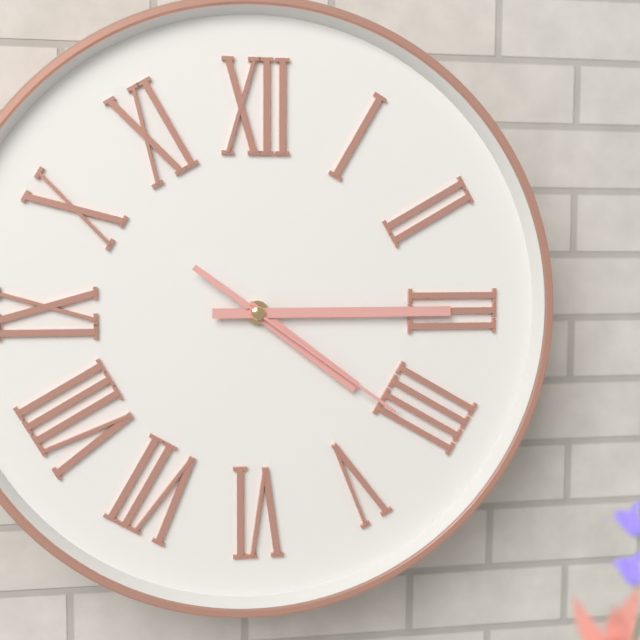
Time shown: **4:15:21**
